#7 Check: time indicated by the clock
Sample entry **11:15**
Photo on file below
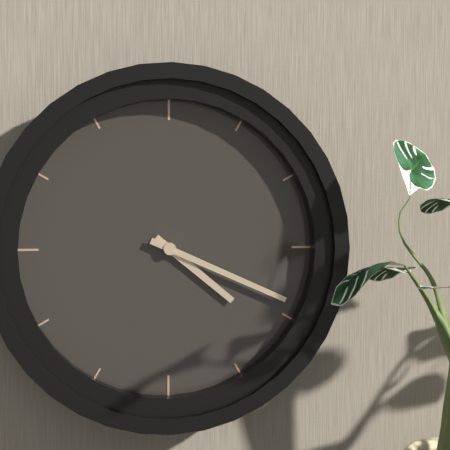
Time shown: **4:19**
